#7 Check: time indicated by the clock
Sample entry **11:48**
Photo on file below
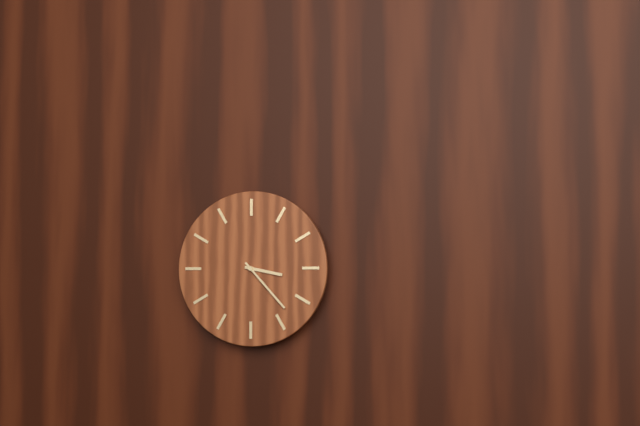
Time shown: **3:23**
